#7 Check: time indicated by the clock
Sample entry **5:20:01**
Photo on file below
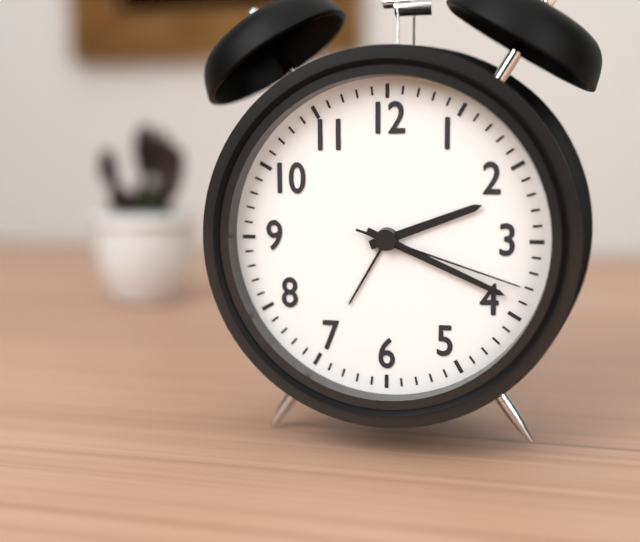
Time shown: **2:19:18**
